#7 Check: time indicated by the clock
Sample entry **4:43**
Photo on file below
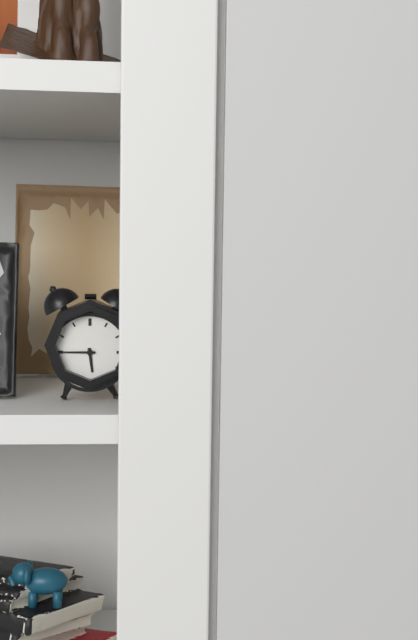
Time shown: **5:45**
